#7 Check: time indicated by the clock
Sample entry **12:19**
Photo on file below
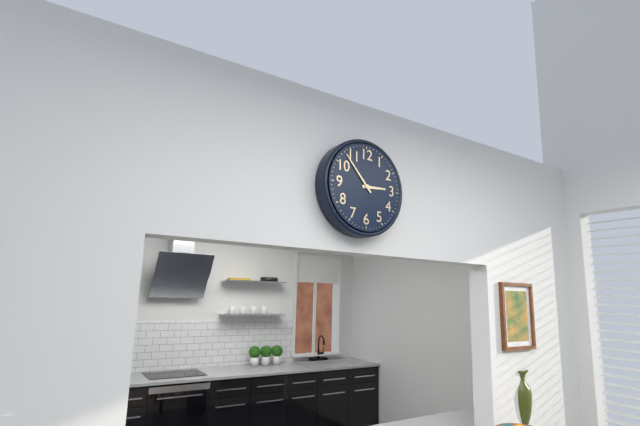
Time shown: **2:53**
